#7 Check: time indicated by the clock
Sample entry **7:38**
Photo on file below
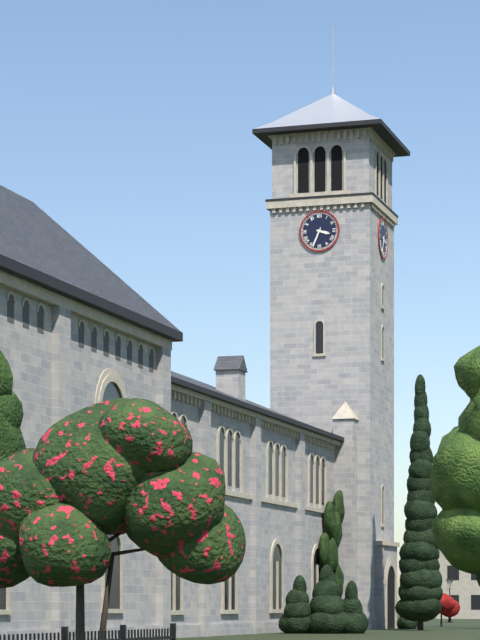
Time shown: **3:34**
